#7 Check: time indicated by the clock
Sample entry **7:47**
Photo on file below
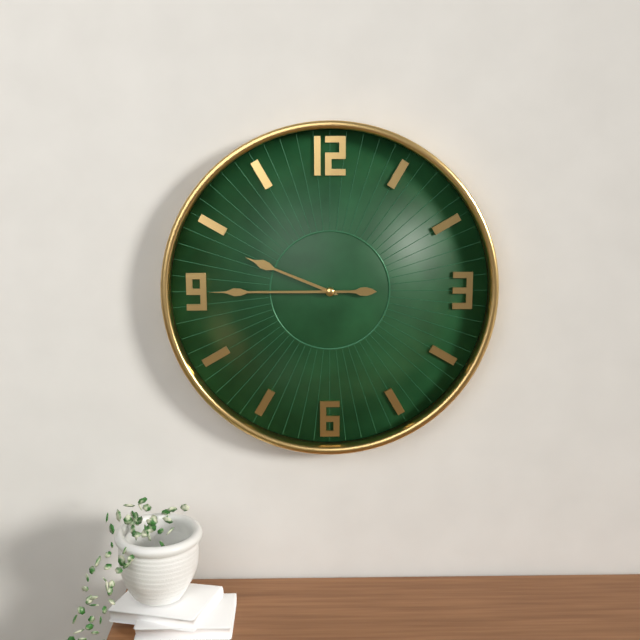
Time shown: **9:45**
